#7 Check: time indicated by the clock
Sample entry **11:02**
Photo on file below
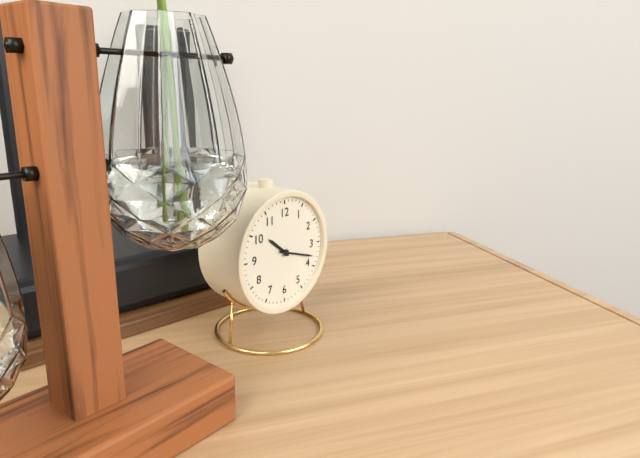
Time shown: **10:18**
